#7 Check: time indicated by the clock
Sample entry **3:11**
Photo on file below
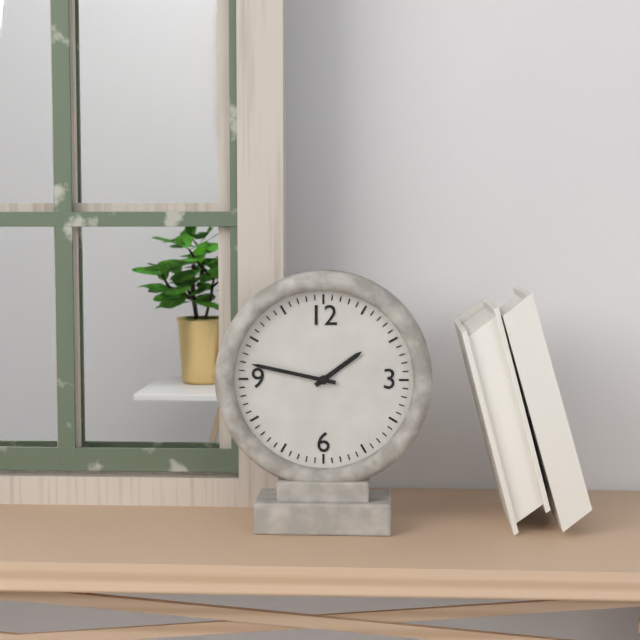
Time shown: **1:47**
